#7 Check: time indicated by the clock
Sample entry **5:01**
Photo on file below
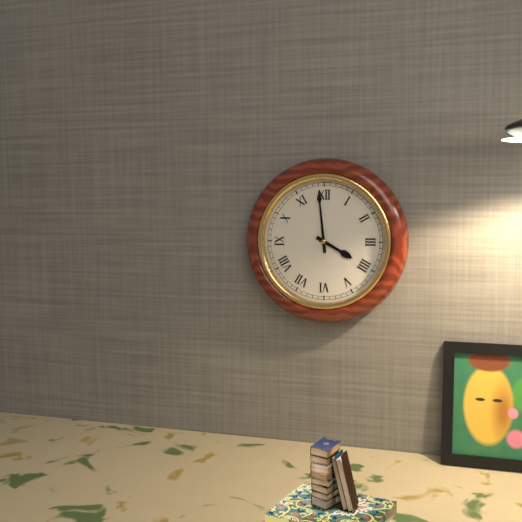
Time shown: **3:59**
